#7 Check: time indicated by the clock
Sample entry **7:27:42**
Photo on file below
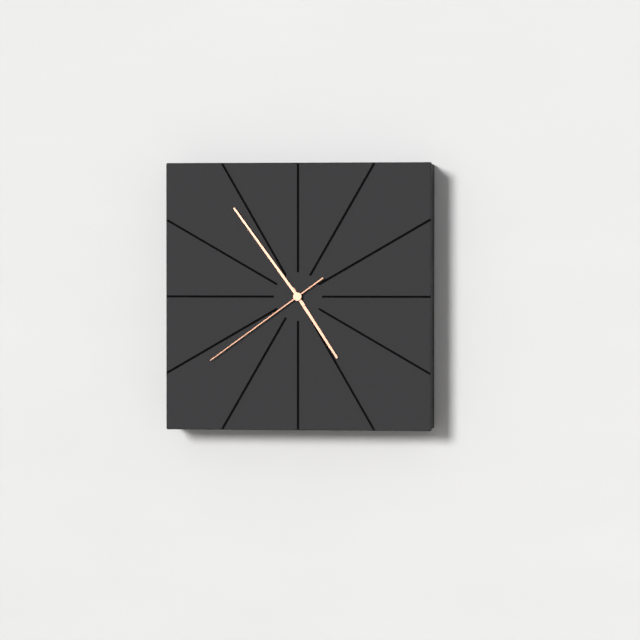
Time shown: **4:54:39**
